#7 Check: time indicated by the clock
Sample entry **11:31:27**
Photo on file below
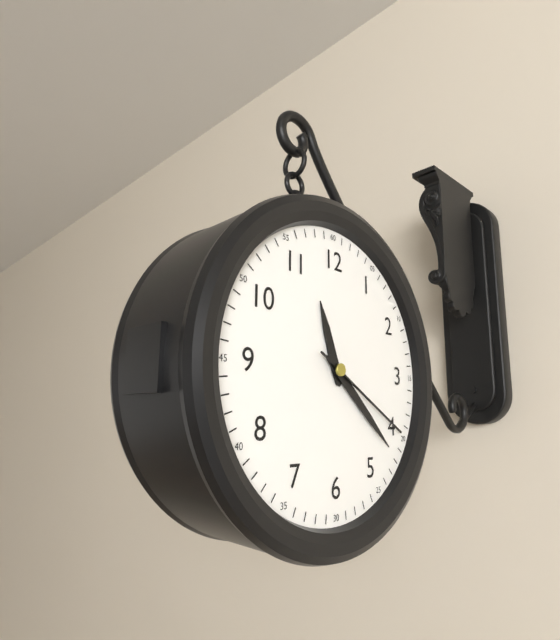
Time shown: **11:22:20**
